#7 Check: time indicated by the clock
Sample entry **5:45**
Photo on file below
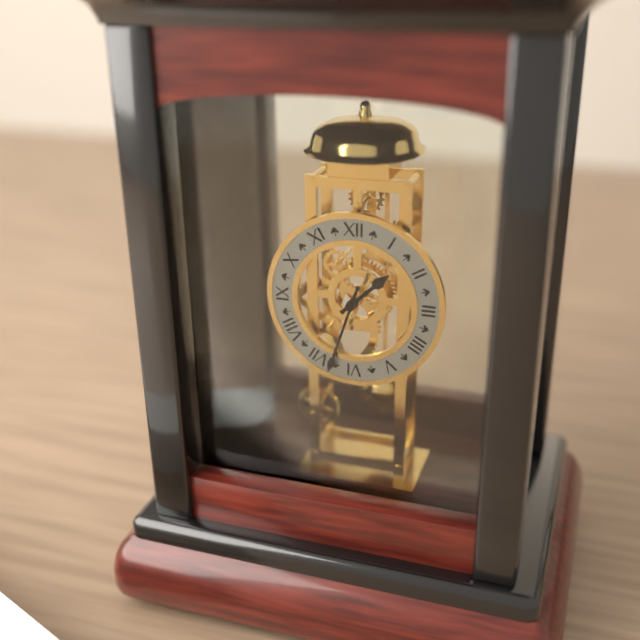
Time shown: **1:33**
